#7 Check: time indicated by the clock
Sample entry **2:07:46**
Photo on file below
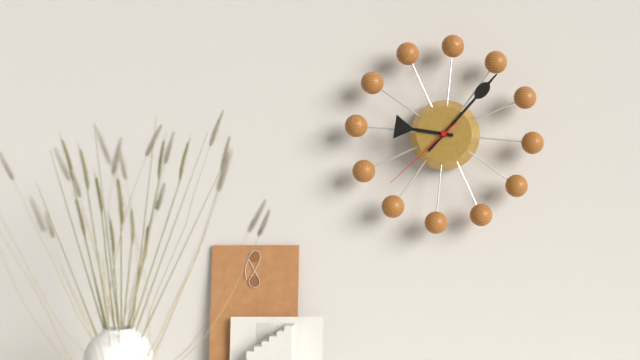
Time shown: **9:06:37**
